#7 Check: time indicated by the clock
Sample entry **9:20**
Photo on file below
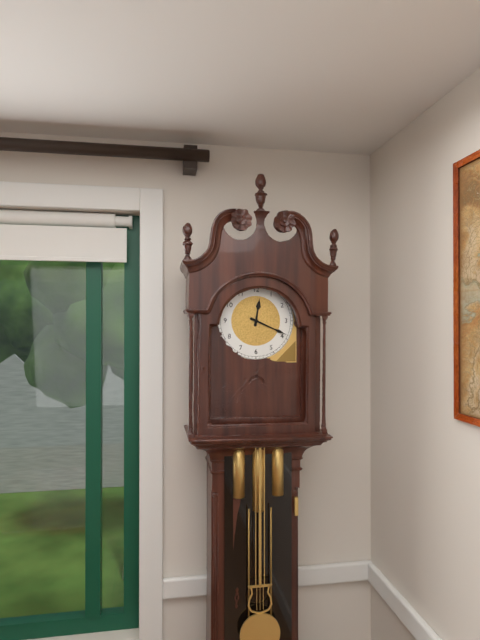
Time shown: **12:19**
